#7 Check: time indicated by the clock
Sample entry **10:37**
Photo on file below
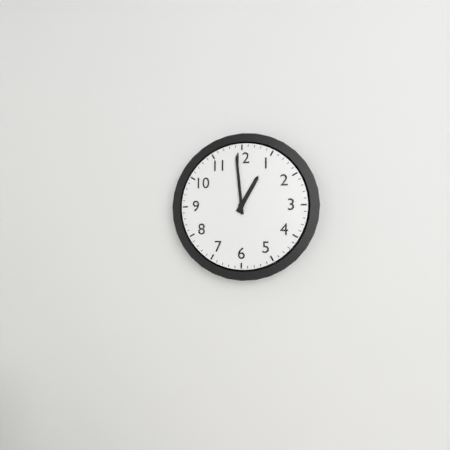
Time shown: **12:59**
